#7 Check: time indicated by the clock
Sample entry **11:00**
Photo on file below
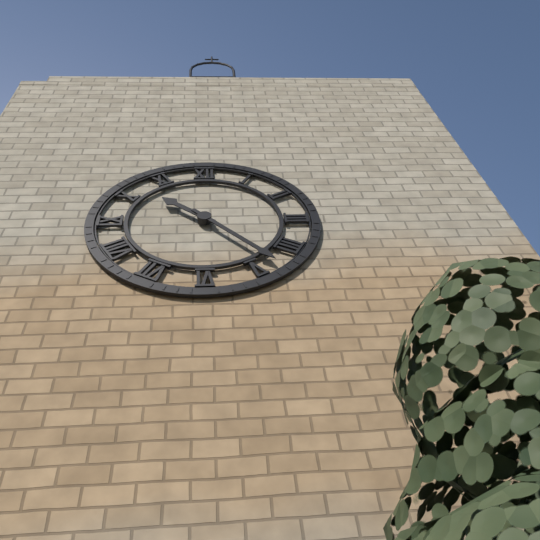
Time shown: **10:23**
